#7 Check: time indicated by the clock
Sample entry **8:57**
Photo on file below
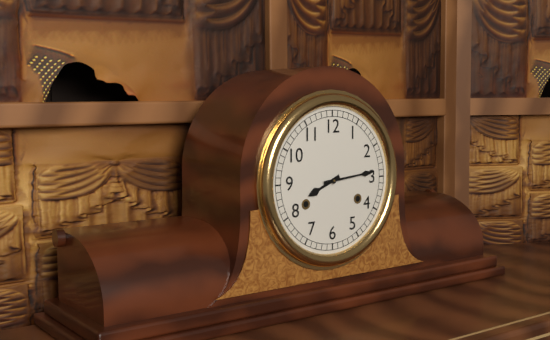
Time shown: **8:14**
